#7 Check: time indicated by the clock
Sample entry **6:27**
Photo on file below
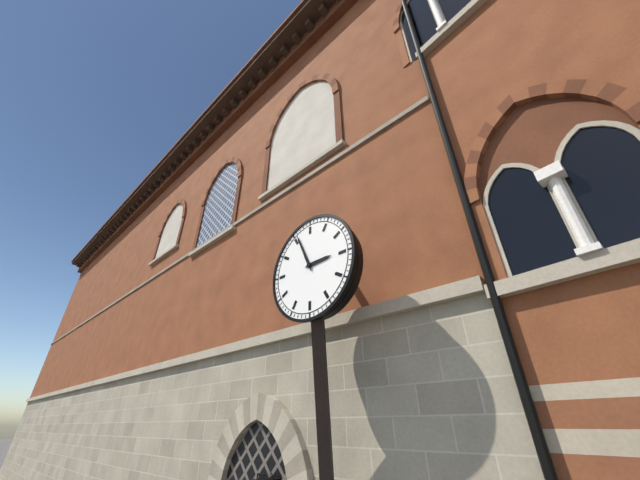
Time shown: **2:56**
